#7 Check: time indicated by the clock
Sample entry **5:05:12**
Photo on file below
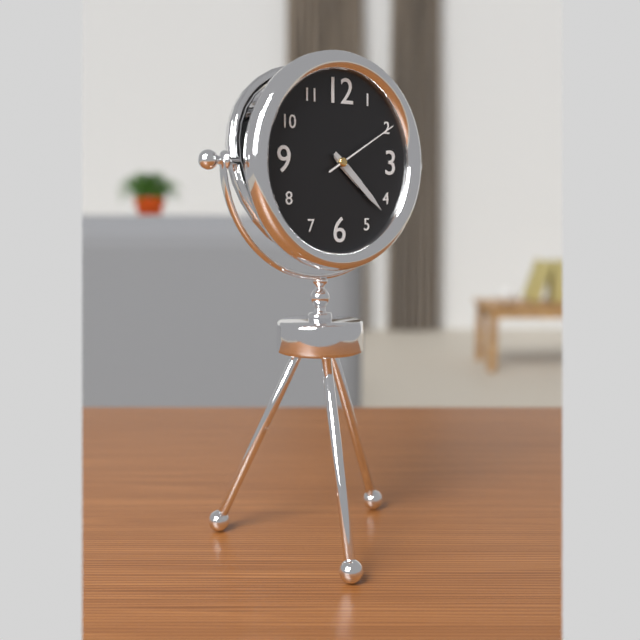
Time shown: **4:22:10**
